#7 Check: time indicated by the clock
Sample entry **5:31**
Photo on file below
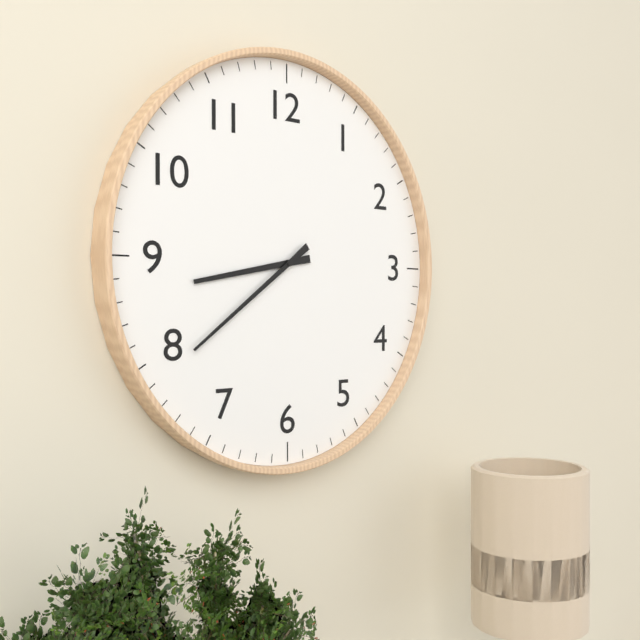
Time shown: **8:39**
